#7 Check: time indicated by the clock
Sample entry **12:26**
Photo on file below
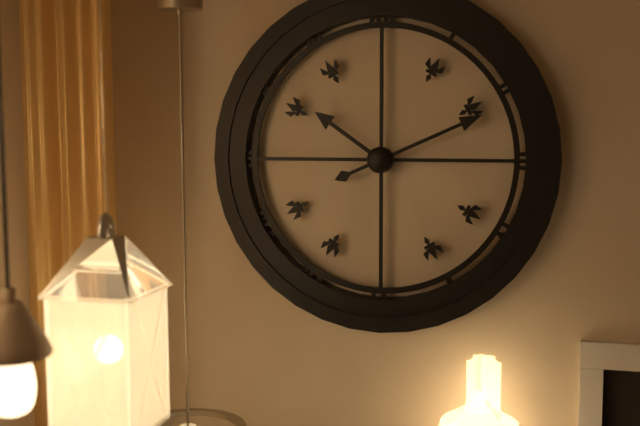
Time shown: **10:11**
